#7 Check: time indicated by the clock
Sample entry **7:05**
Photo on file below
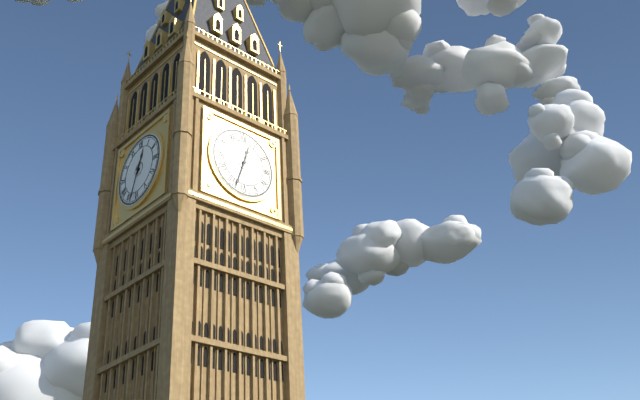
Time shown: **12:33**
